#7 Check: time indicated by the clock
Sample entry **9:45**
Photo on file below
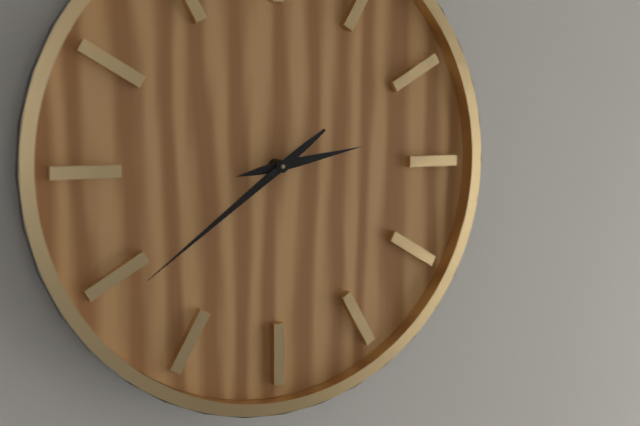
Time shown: **2:39**
